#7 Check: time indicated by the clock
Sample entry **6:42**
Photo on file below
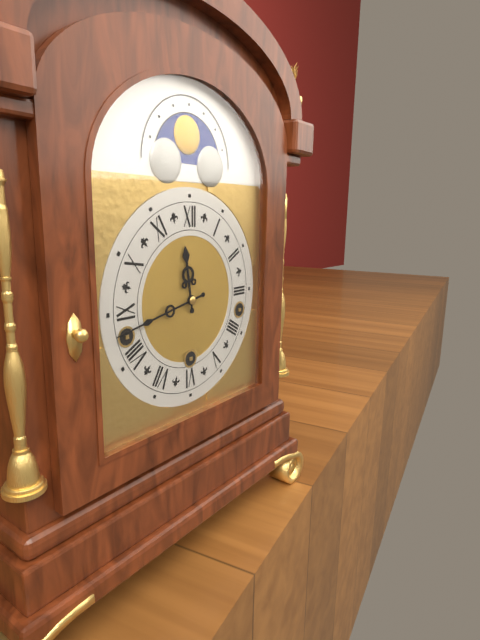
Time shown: **11:43**
